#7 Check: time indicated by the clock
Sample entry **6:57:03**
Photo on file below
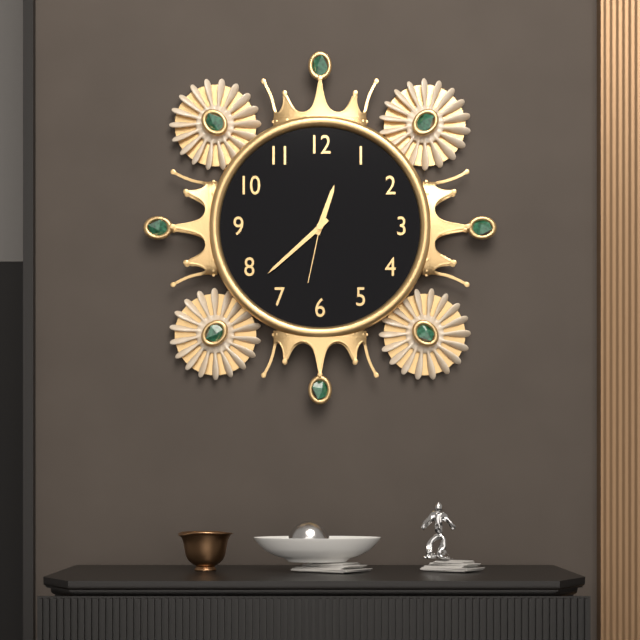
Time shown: **12:38:32**
